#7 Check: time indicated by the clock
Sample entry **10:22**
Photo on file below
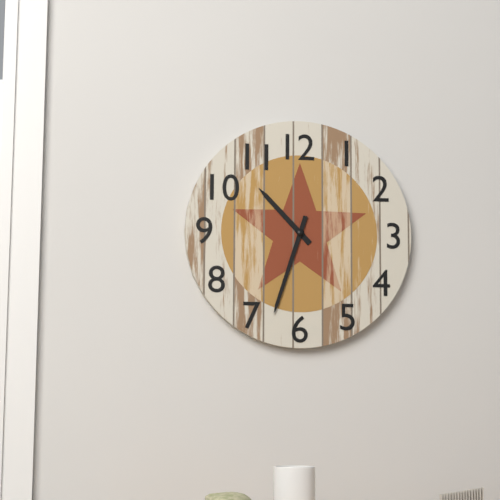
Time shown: **10:33**
